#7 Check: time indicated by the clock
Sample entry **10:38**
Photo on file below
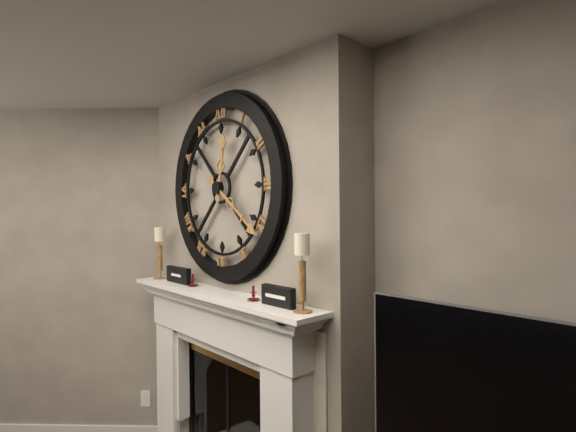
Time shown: **12:21**
